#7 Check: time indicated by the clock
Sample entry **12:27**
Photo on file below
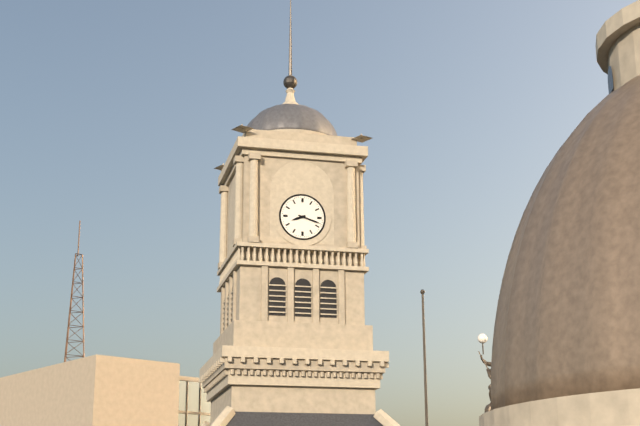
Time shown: **8:18**
